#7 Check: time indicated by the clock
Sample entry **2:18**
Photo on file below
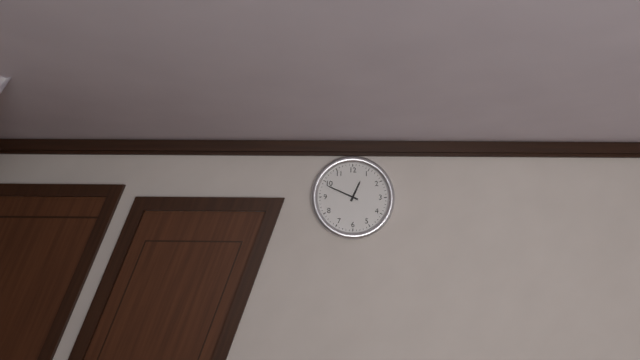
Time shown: **12:49**
